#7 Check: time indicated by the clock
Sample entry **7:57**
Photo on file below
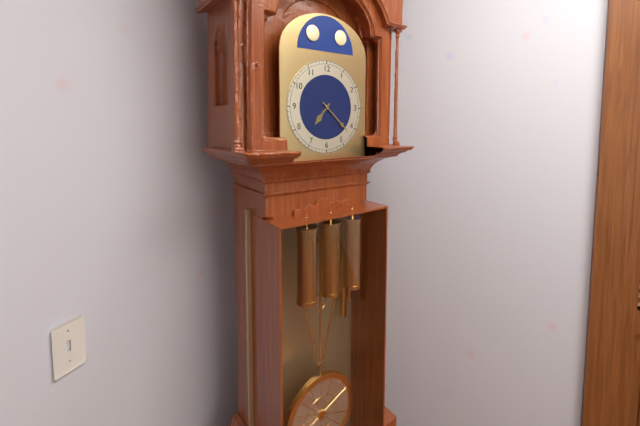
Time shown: **7:22**
